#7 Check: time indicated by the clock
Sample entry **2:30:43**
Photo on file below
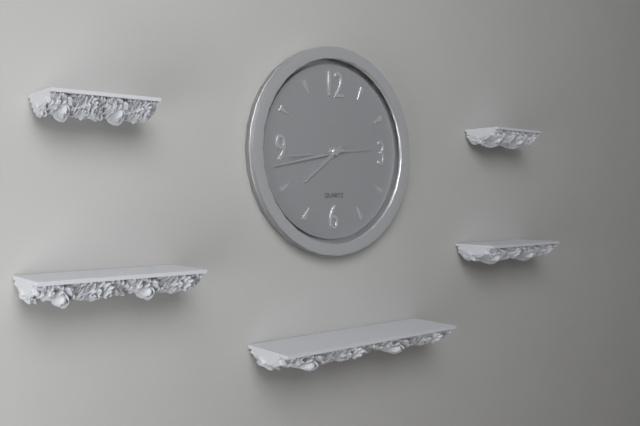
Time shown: **7:43:44**
